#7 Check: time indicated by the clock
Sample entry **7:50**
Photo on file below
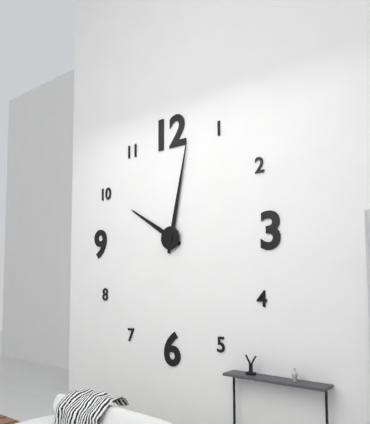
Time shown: **10:02**
